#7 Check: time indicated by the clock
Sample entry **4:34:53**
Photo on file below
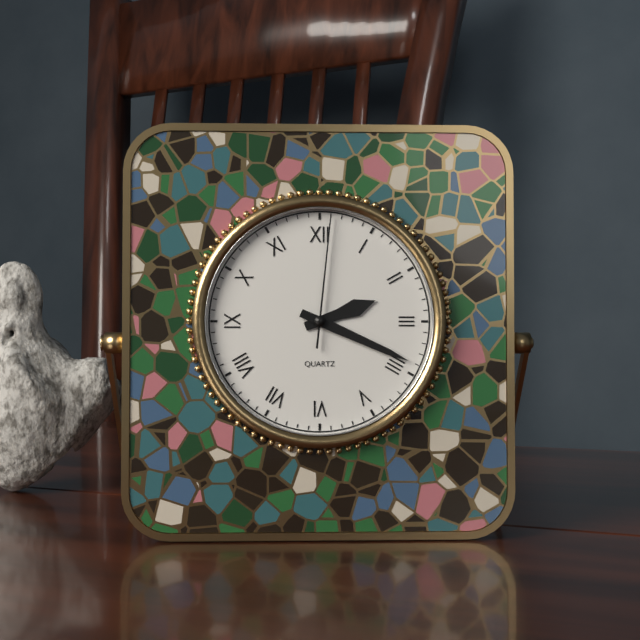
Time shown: **2:19:01**
